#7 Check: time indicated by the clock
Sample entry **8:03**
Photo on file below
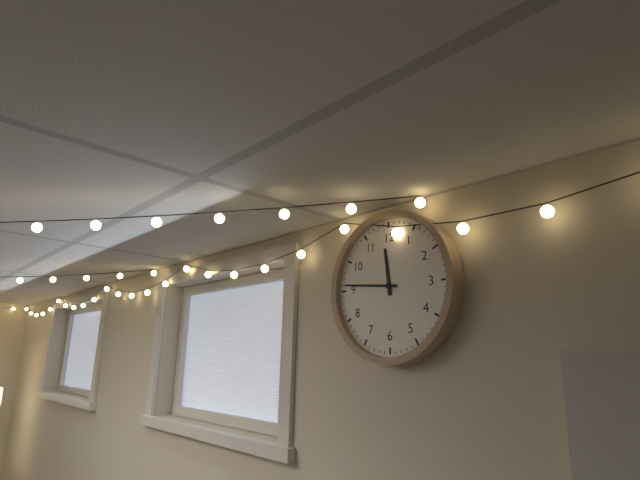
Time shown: **11:46**
